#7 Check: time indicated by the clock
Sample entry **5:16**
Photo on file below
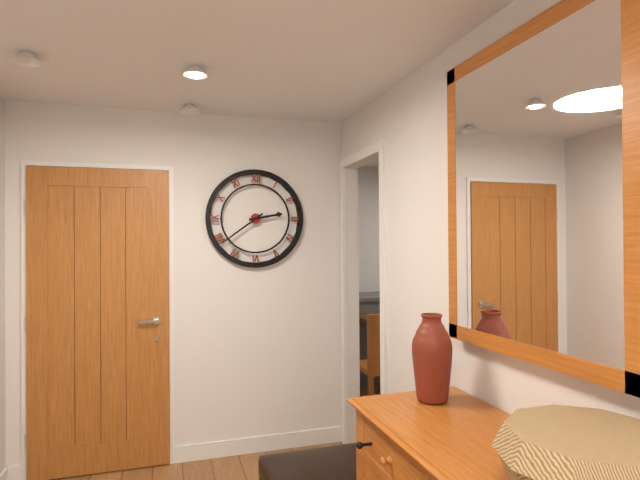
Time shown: **2:39**
